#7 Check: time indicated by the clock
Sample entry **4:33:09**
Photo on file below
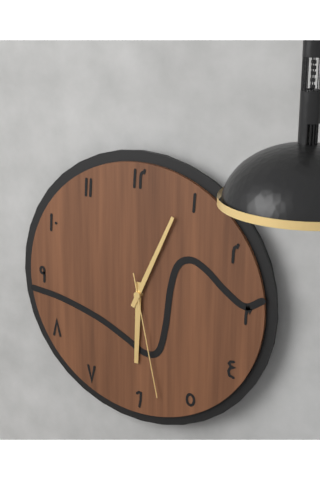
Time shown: **6:04:28**
